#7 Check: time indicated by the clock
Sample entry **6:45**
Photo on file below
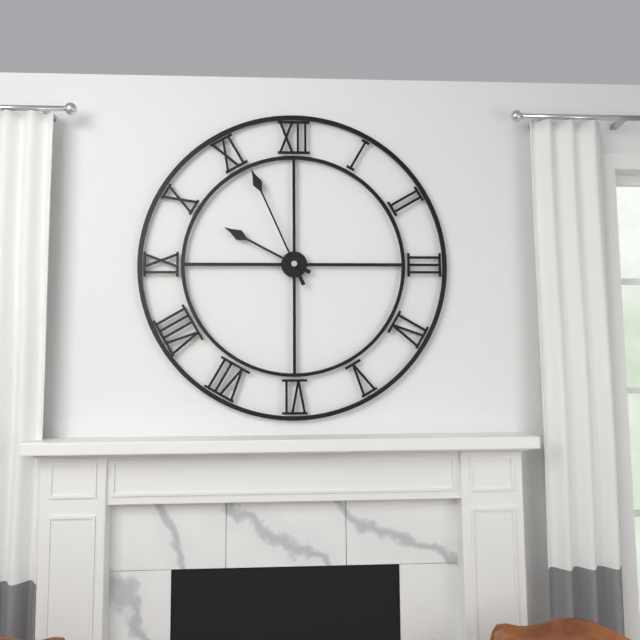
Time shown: **9:56**
